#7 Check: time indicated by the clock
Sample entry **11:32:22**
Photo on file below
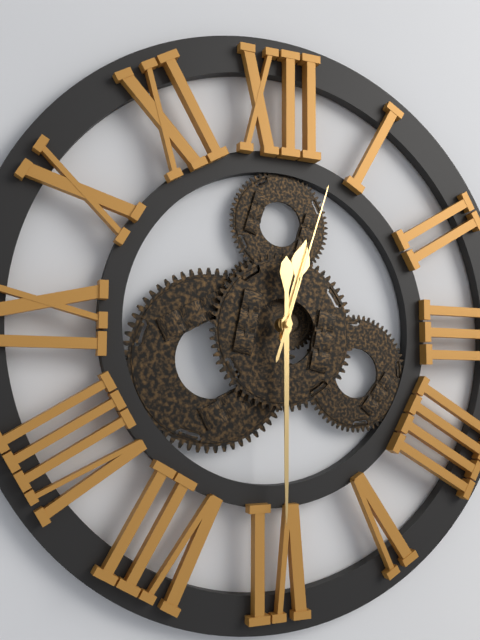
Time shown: **12:30:03**
